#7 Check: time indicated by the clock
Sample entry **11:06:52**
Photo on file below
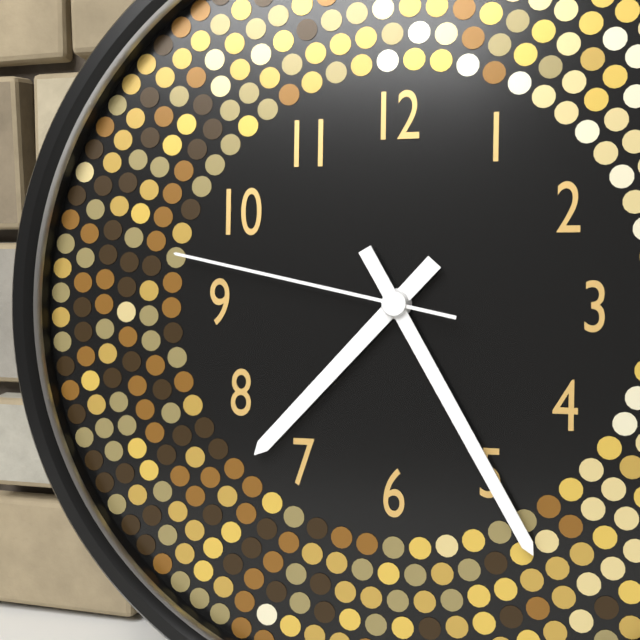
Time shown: **7:25:47**
